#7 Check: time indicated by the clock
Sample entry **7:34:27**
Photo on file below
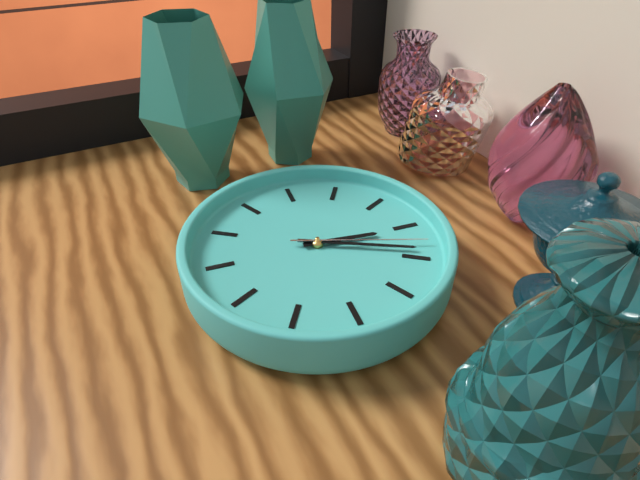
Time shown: **1:09:08**
